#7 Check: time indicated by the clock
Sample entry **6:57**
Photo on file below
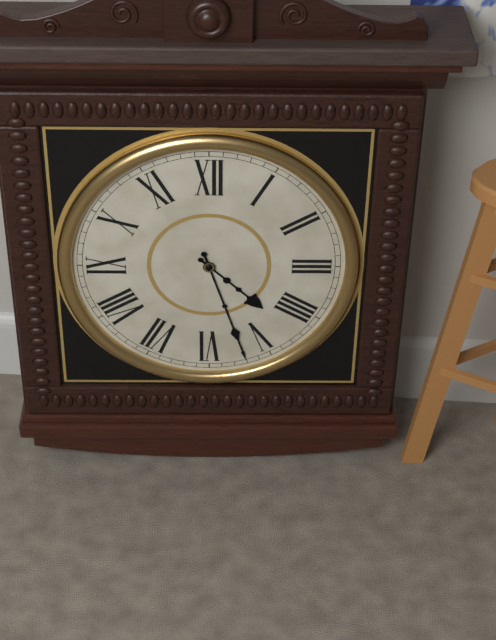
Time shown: **4:27**
